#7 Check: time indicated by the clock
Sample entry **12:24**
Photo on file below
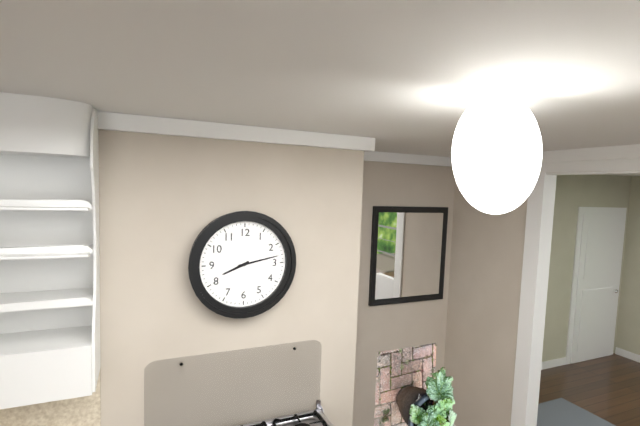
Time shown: **8:13**
